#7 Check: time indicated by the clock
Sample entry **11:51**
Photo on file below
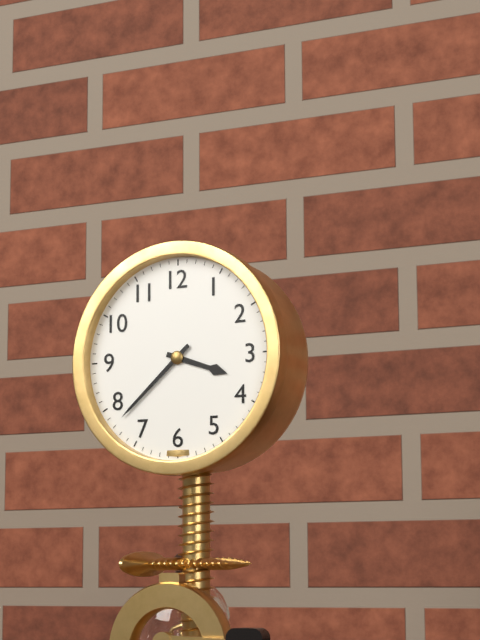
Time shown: **3:38**
